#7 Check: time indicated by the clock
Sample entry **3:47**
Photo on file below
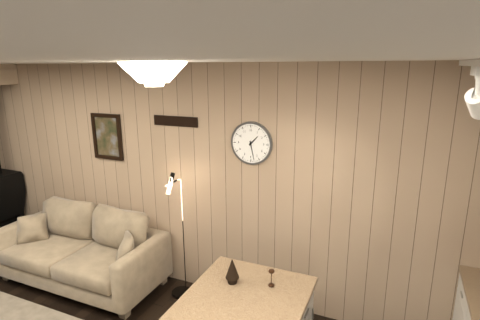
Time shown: **1:28**
